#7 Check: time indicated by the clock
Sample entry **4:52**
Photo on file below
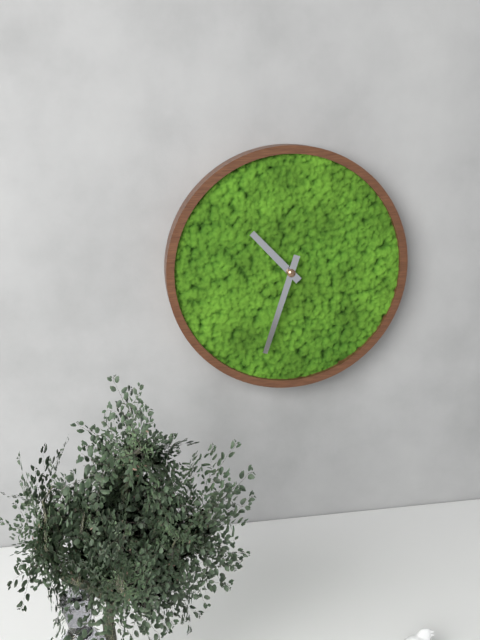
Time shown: **10:33**
